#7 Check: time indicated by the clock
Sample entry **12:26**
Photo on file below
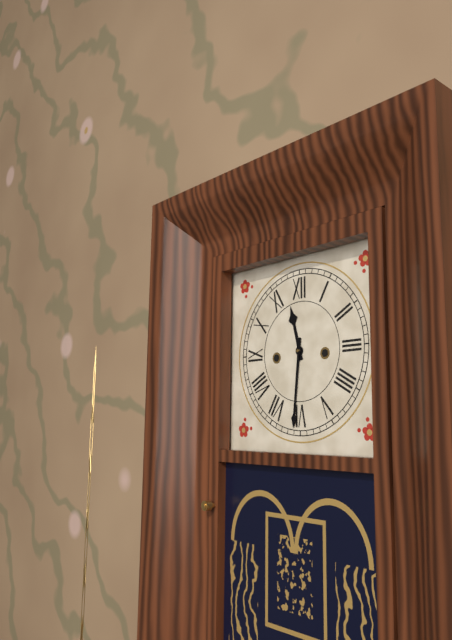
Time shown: **11:31**
